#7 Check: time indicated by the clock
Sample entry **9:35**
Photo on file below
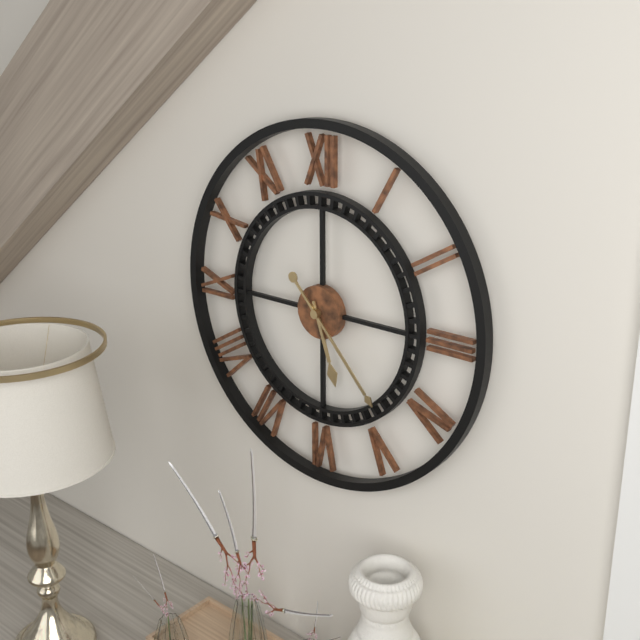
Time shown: **5:23**
